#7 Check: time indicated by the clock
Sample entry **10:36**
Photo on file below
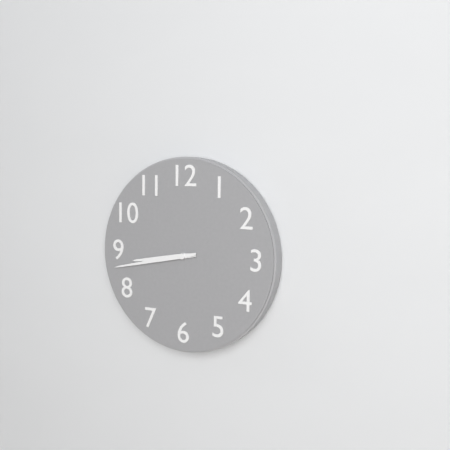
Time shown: **8:43**
